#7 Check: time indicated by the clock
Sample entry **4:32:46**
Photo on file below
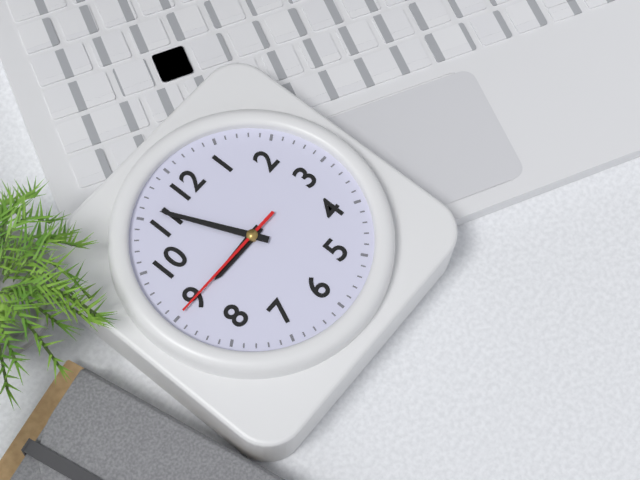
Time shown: **8:56:45**
